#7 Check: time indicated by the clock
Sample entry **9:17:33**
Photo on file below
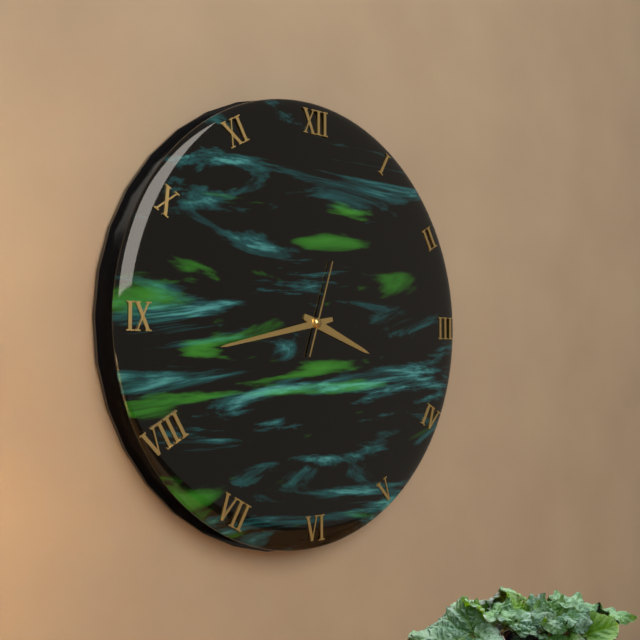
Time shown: **3:43:03**
